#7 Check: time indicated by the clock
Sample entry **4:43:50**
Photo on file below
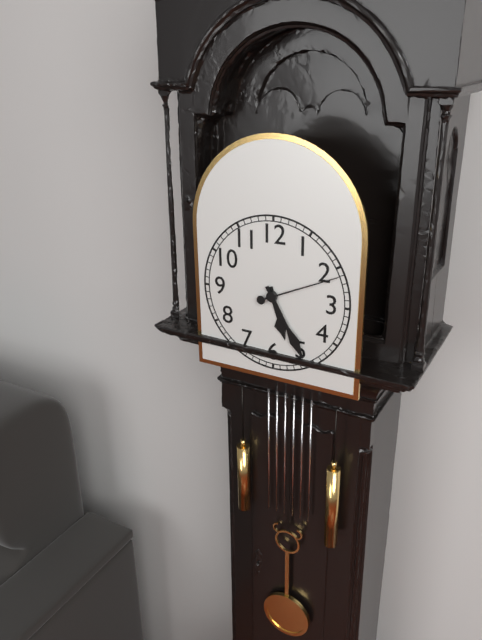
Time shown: **5:25:11**
